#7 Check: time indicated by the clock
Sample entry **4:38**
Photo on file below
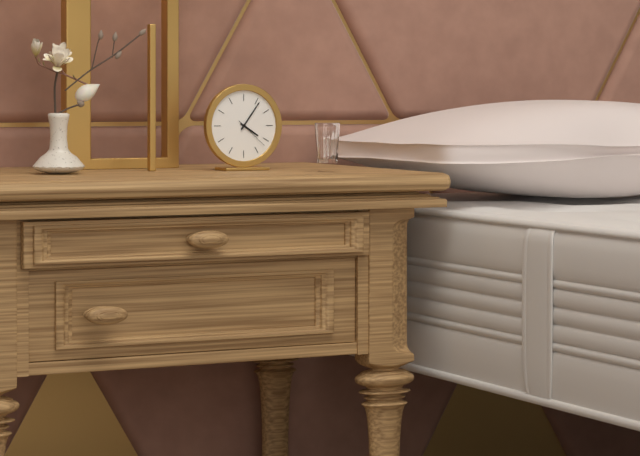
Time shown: **4:06**
